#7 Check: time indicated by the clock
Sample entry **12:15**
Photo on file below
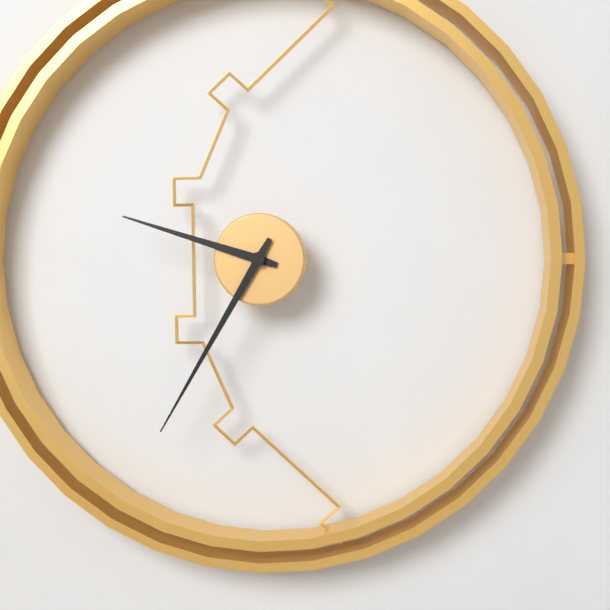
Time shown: **9:35**
